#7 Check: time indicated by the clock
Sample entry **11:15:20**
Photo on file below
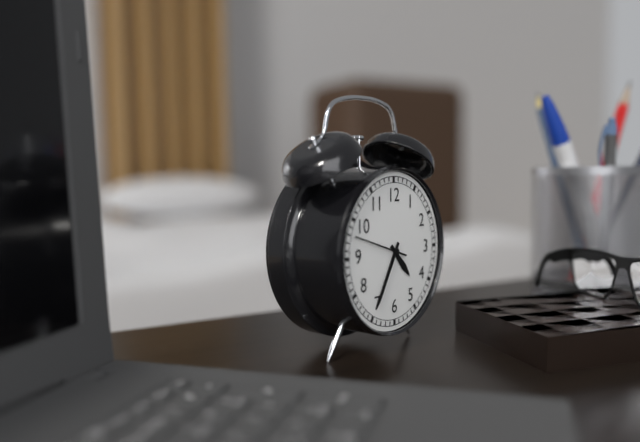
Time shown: **4:35:48**
